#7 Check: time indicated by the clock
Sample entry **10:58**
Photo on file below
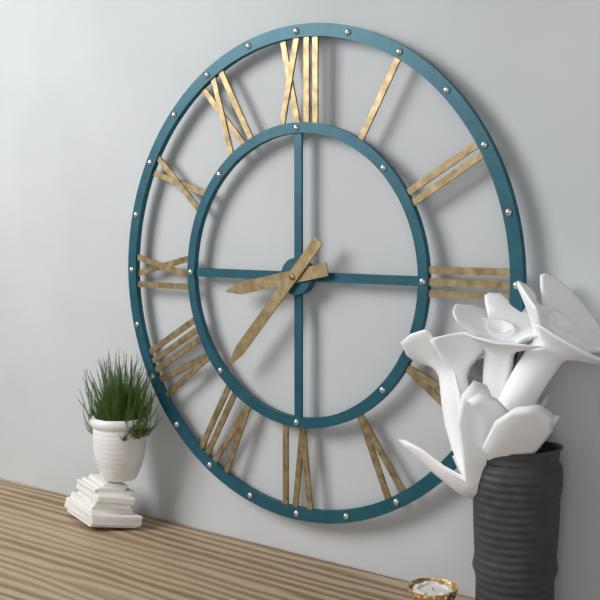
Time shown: **8:37**
